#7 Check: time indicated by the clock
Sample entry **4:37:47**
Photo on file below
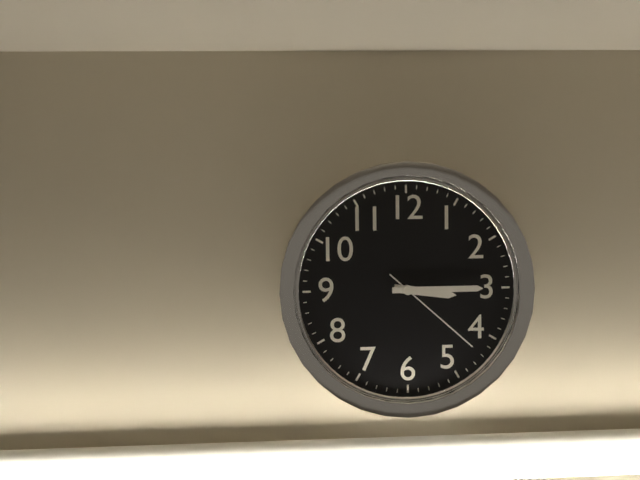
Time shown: **3:15:22**
